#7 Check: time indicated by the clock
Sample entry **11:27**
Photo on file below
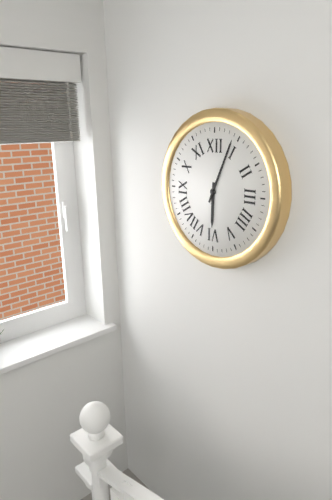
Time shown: **6:04**
